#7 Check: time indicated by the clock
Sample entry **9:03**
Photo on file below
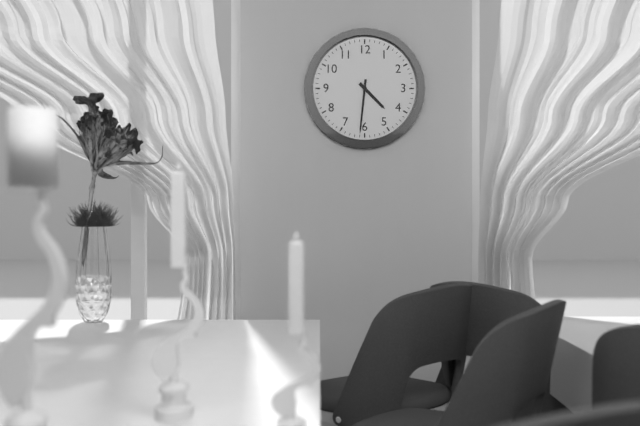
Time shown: **4:31**
